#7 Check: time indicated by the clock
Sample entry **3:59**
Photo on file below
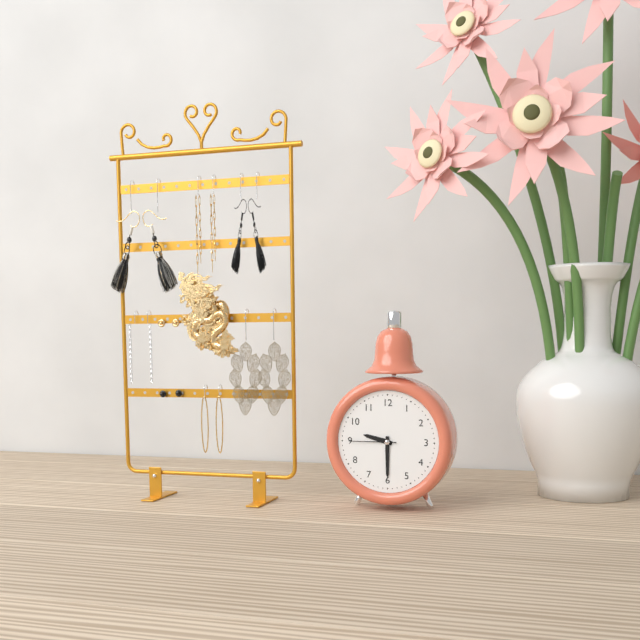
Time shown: **9:30**
